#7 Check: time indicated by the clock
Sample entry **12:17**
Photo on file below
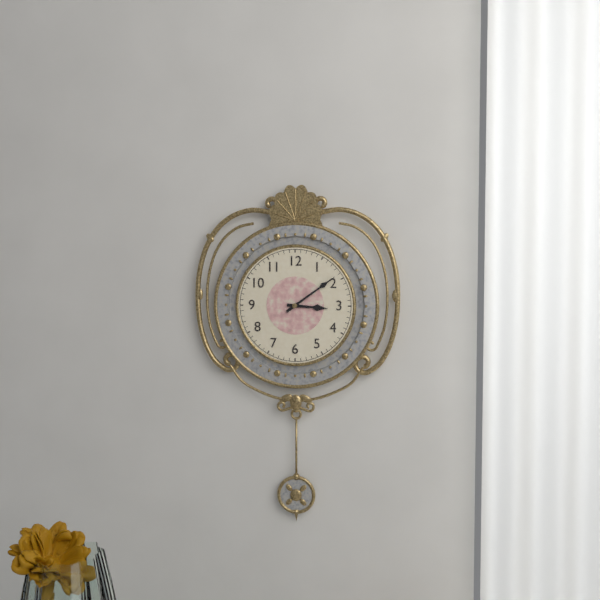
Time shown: **3:09**
